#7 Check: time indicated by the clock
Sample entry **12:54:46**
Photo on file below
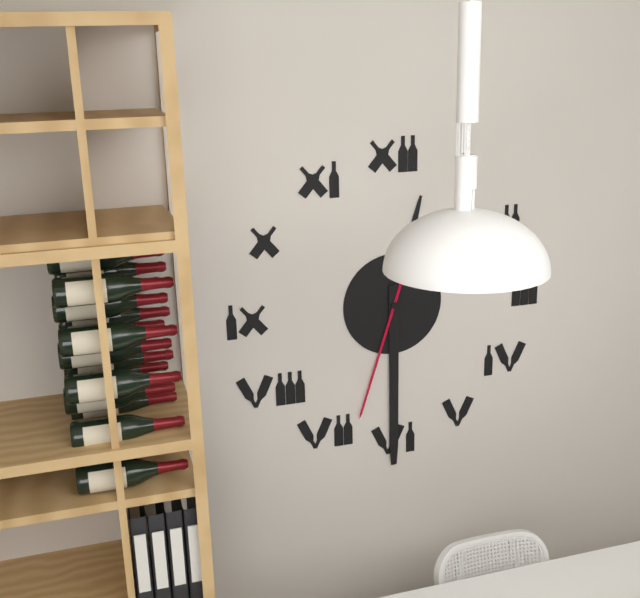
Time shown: **12:30:33**
